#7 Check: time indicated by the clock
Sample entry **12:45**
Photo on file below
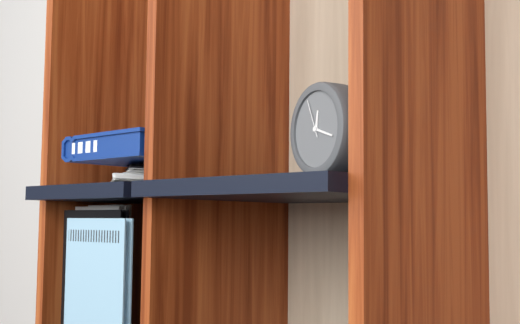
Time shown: **12:18**
